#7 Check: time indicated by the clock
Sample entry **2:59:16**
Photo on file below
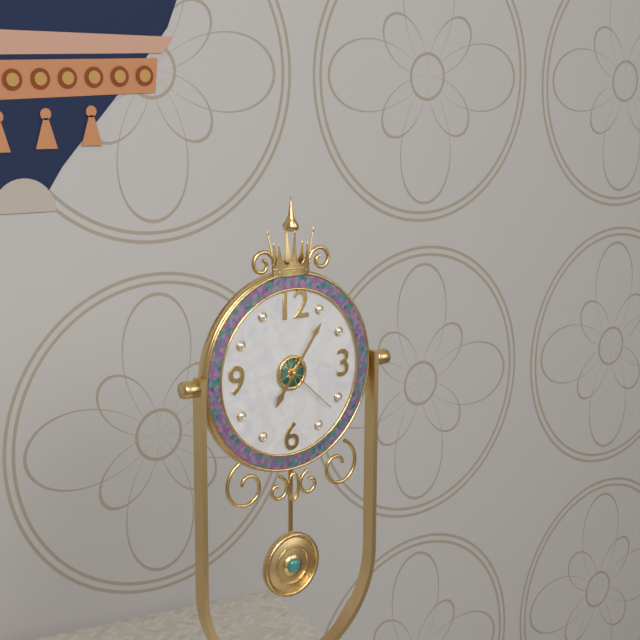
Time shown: **7:06:22**
